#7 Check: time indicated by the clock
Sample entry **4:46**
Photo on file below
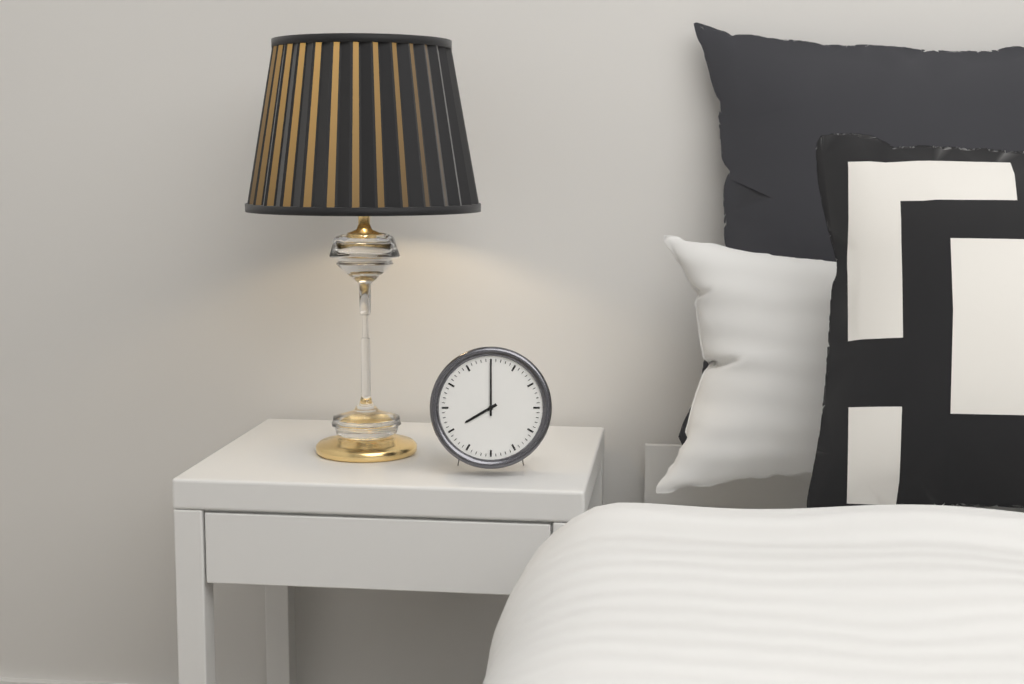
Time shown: **8:00**
